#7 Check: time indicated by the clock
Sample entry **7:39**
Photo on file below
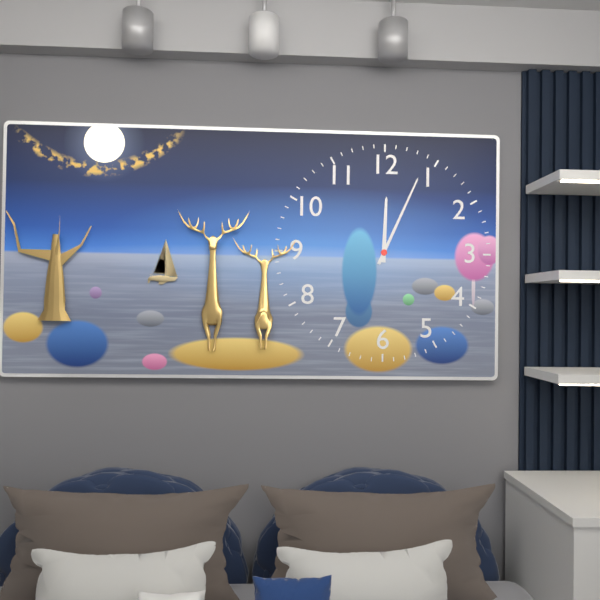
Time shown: **12:04**
